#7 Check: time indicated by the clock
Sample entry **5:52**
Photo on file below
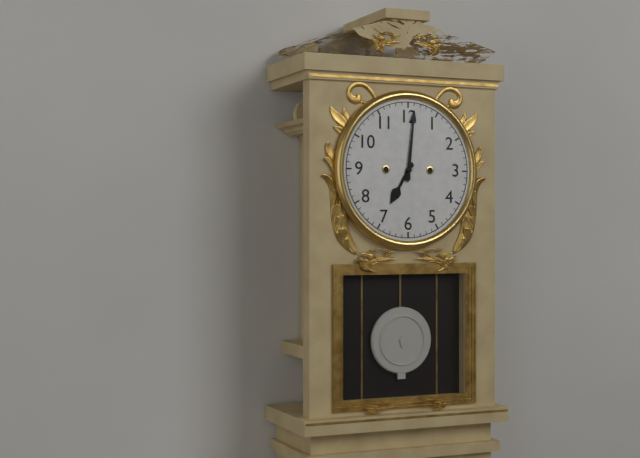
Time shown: **7:01**
